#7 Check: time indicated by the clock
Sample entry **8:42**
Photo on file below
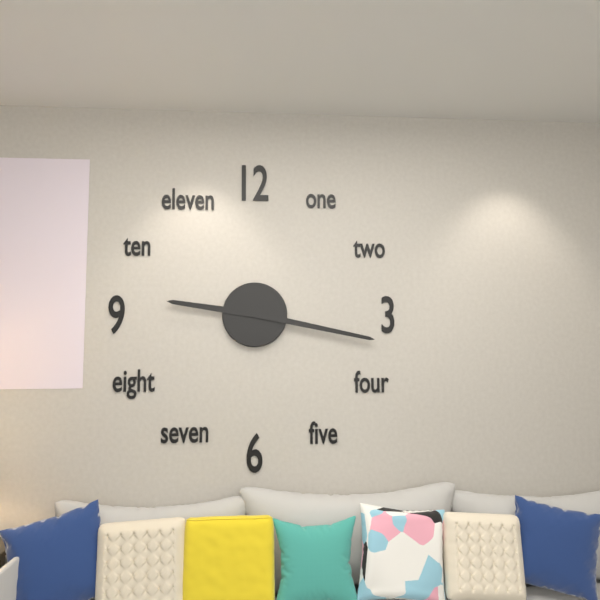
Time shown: **9:17**
